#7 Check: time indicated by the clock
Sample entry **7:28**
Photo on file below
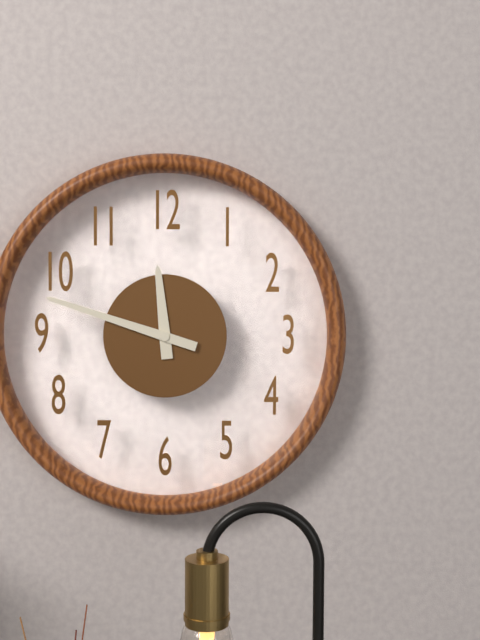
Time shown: **11:48**
